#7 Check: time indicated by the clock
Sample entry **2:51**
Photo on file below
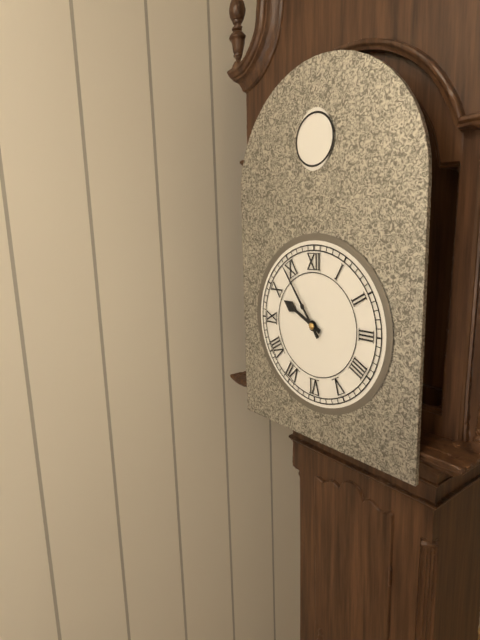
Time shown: **9:54**
